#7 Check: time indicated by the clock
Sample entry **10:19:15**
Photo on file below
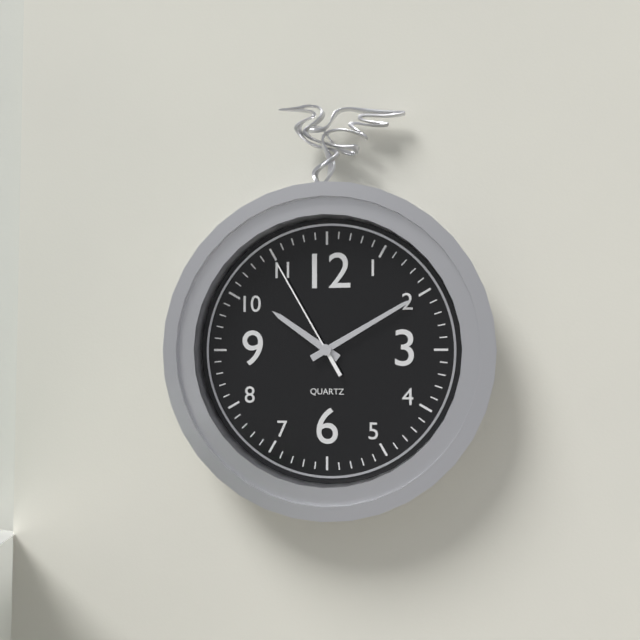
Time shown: **10:10:55**
